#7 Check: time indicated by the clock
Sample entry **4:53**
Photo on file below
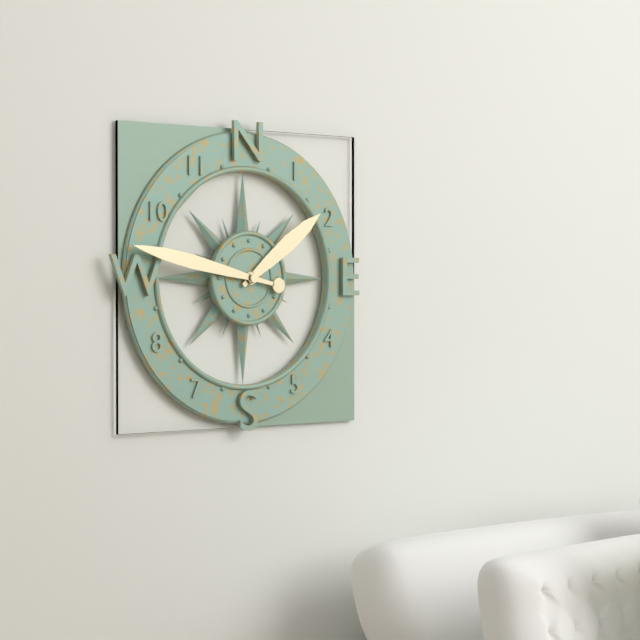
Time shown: **1:47**
